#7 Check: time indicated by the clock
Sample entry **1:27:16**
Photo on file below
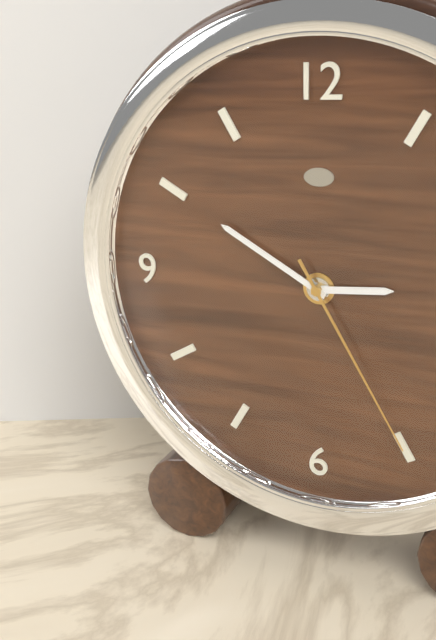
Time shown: **2:50:25**
